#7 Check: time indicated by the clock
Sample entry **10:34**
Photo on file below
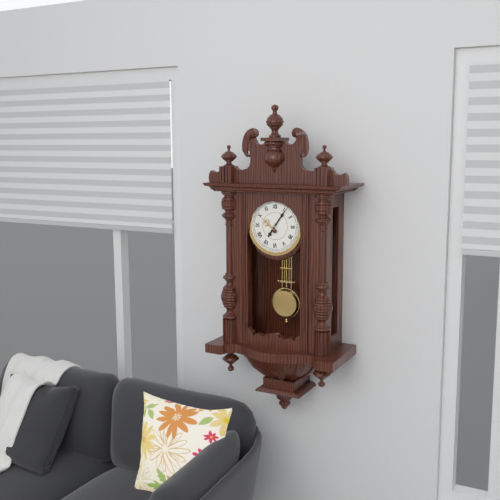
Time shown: **7:06**
